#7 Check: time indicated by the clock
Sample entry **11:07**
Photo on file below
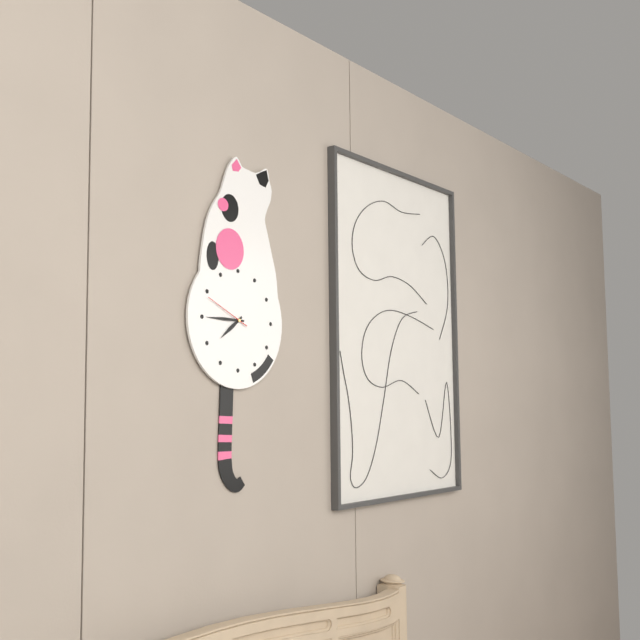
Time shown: **7:45**
